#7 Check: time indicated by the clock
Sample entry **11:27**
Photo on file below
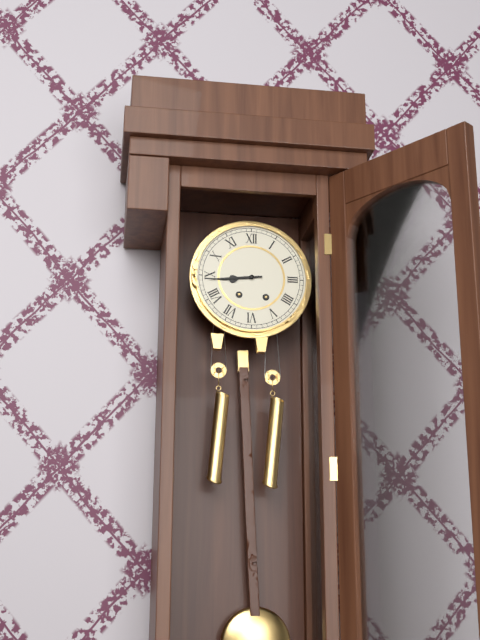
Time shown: **8:44**
